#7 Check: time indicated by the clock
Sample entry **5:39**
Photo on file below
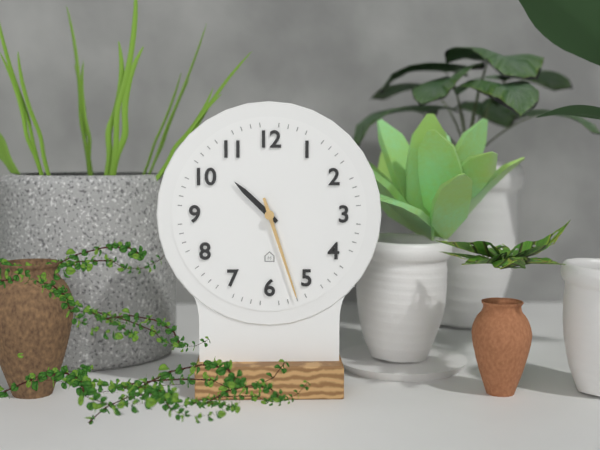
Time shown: **10:27**
